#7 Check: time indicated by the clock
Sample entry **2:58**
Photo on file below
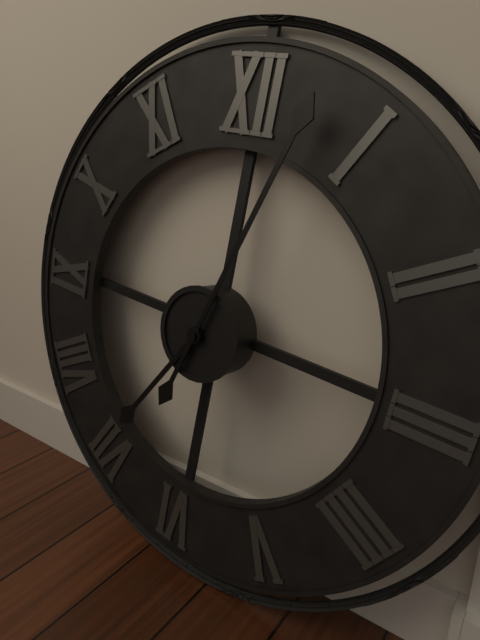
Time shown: **7:03**
